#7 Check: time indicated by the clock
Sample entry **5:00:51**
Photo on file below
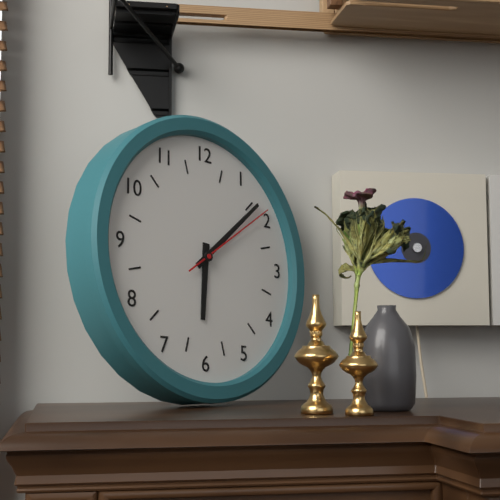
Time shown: **6:08:09**
